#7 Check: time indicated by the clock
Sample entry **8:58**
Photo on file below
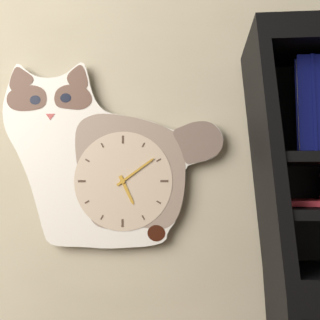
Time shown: **5:09**
